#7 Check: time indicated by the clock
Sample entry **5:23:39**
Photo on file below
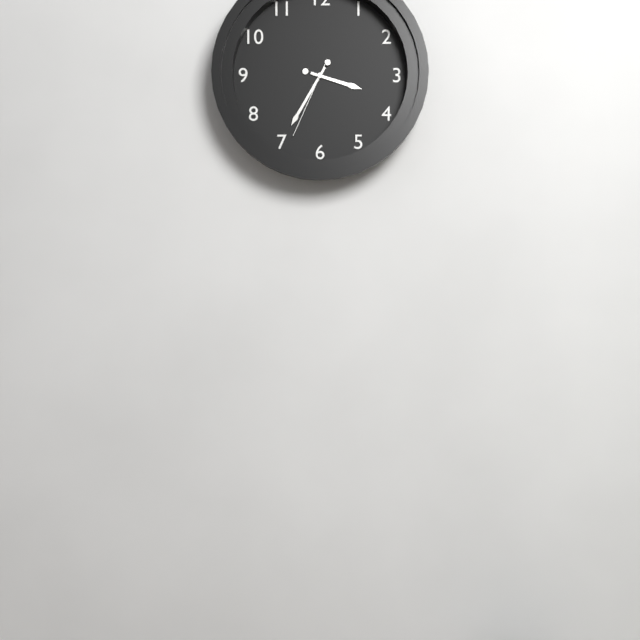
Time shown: **3:35:34**
